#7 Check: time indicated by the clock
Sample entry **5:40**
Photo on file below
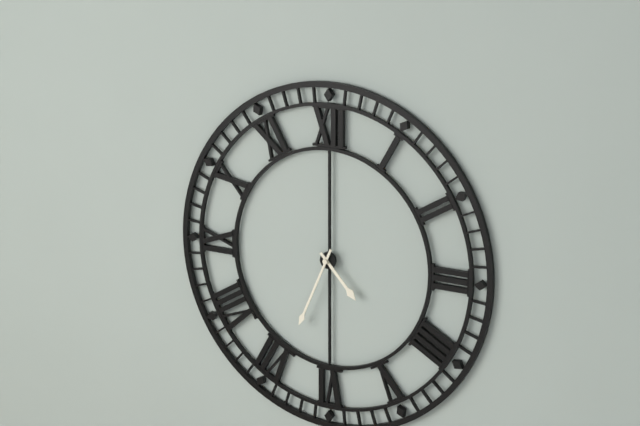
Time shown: **4:34**
